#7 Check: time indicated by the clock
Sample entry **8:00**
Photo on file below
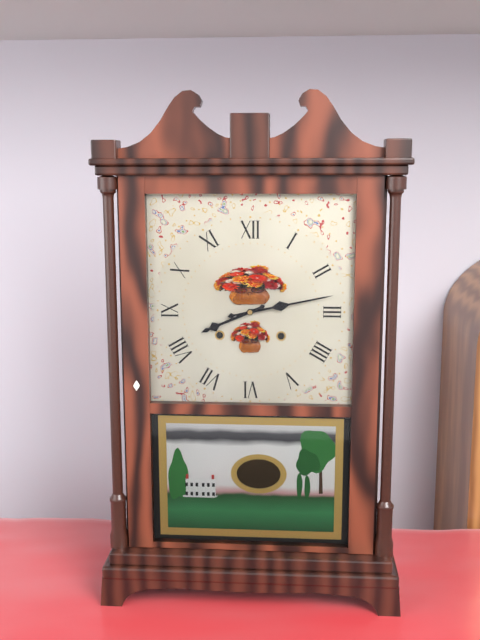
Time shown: **8:13**
